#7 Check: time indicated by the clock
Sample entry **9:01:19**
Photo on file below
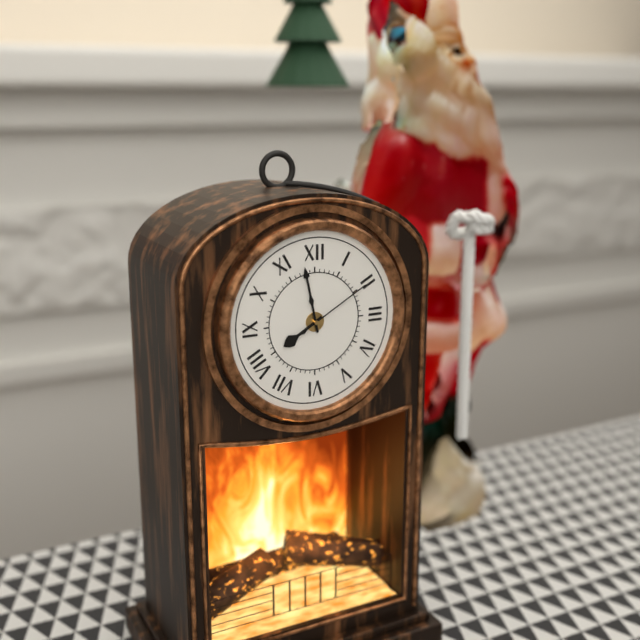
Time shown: **7:58:10**
